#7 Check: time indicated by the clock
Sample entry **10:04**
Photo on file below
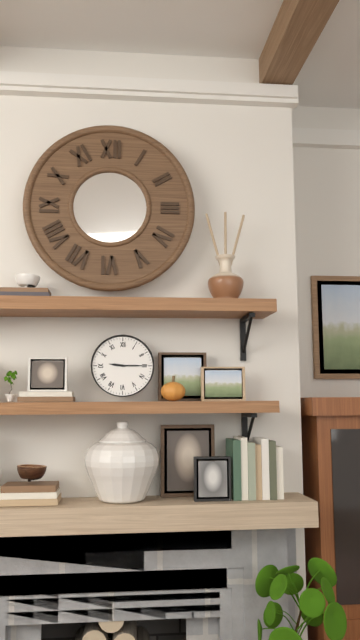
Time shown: **9:15**
